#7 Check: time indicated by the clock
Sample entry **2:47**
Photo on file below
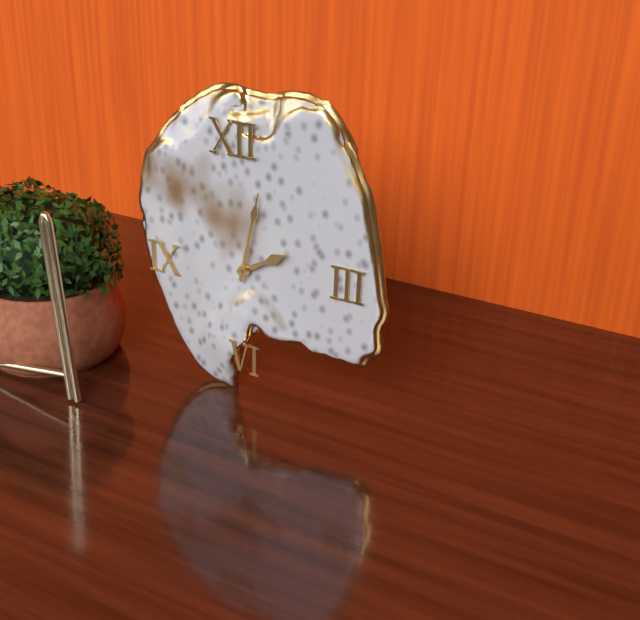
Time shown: **2:02**
